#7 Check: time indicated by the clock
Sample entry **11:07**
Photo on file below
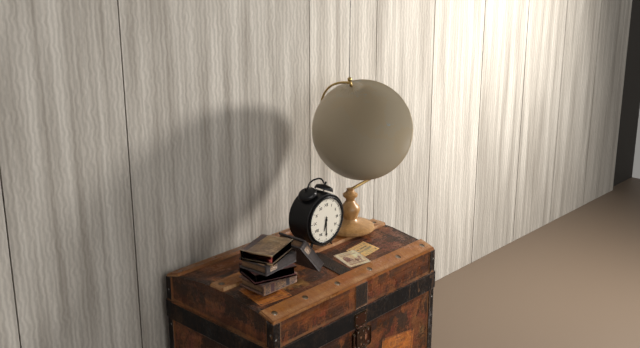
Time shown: **6:30**
